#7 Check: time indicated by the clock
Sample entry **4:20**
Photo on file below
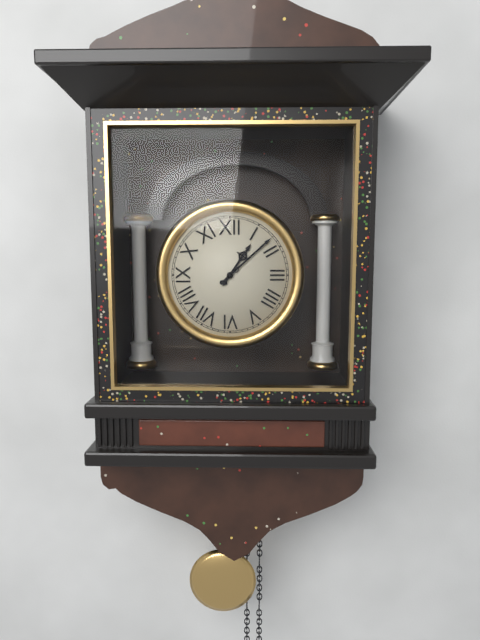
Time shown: **1:08**
